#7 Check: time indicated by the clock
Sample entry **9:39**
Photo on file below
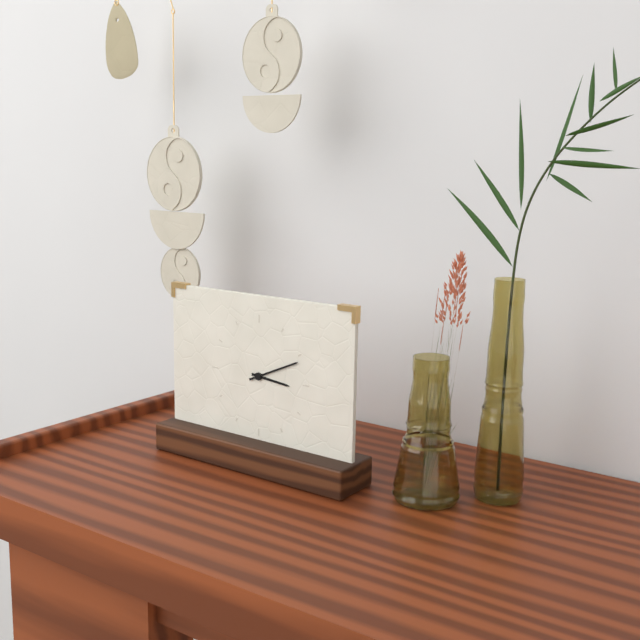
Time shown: **3:11**
